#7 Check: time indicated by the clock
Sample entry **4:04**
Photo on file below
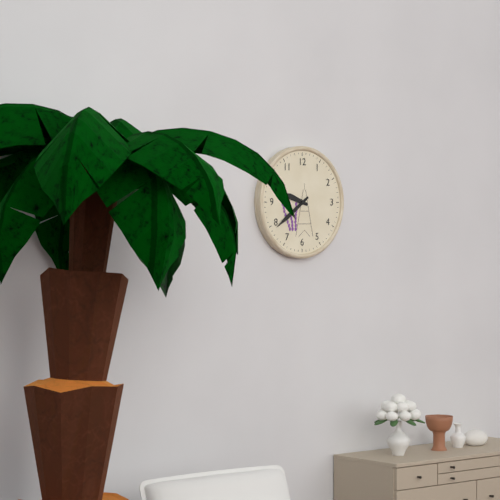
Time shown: **9:39**
